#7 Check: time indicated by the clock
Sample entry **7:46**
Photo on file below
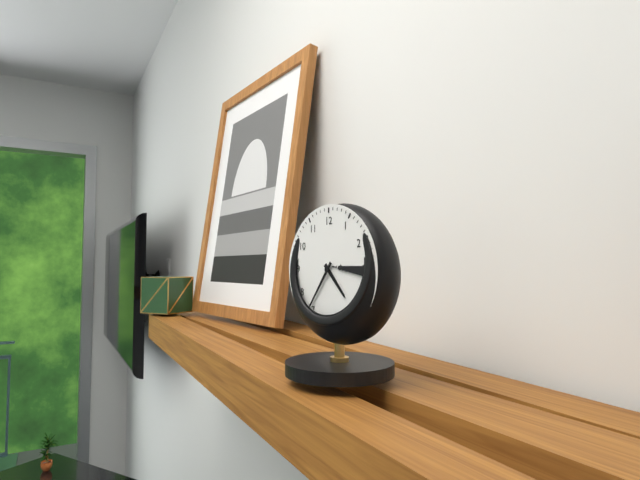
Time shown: **4:36**
